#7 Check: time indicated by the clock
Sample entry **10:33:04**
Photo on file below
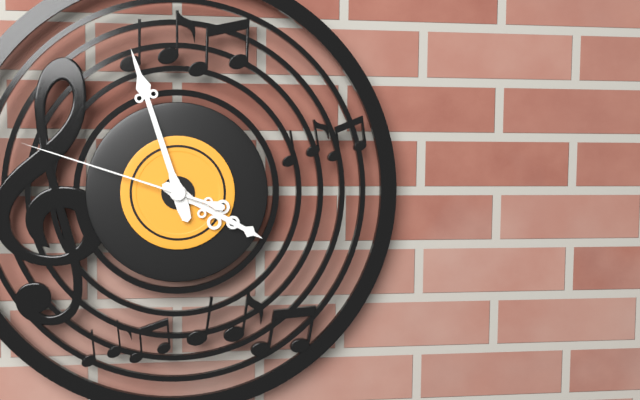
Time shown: **3:57:48**
